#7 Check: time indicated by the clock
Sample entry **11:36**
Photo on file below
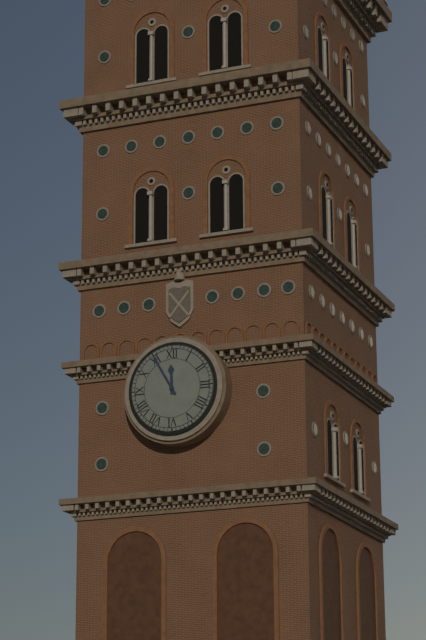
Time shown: **11:55**
